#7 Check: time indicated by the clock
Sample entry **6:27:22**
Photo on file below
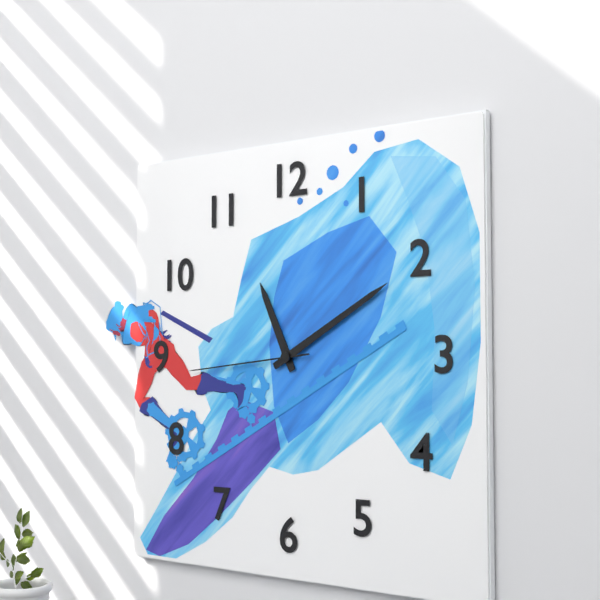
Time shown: **11:10:44**
